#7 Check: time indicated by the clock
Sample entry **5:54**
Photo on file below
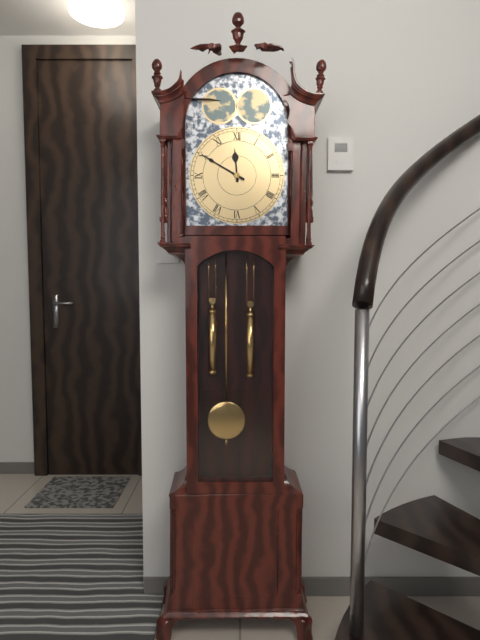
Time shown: **11:50**
